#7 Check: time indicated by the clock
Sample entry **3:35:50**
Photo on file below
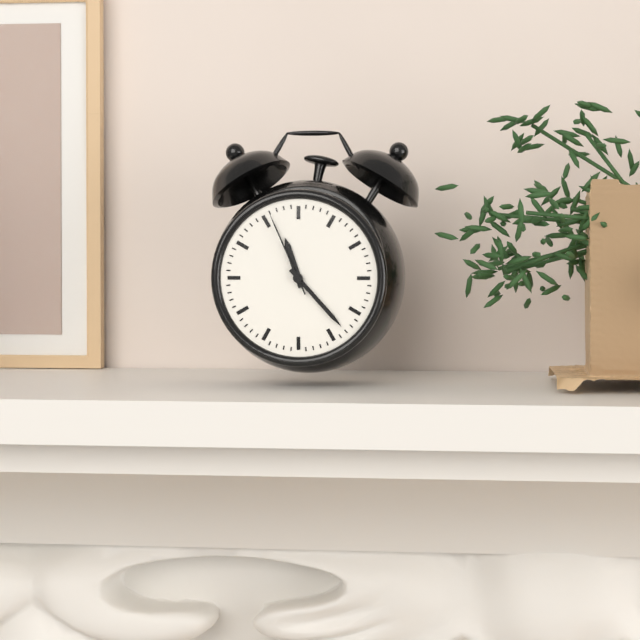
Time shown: **11:23:56**
